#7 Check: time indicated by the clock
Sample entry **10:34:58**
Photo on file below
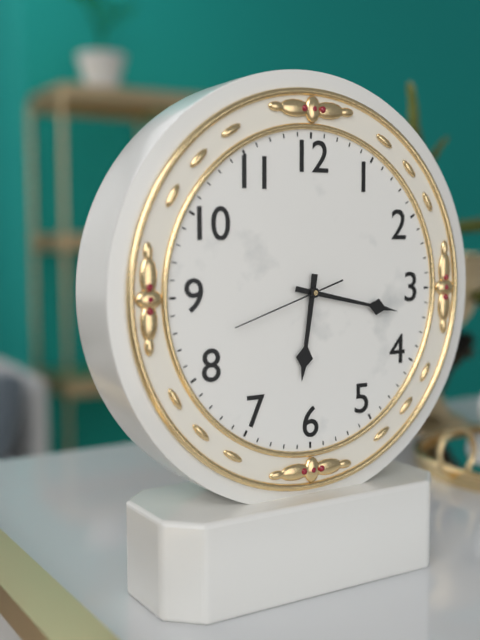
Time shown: **6:17:42**
